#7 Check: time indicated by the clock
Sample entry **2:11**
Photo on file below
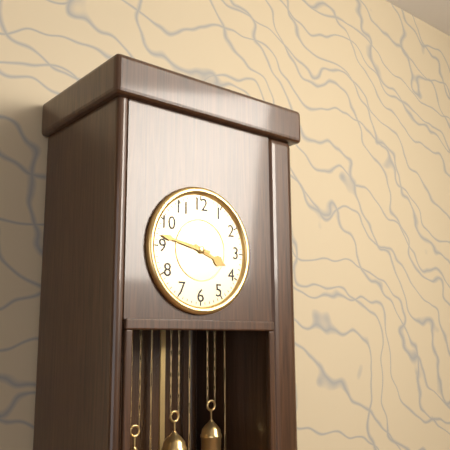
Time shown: **3:47**
